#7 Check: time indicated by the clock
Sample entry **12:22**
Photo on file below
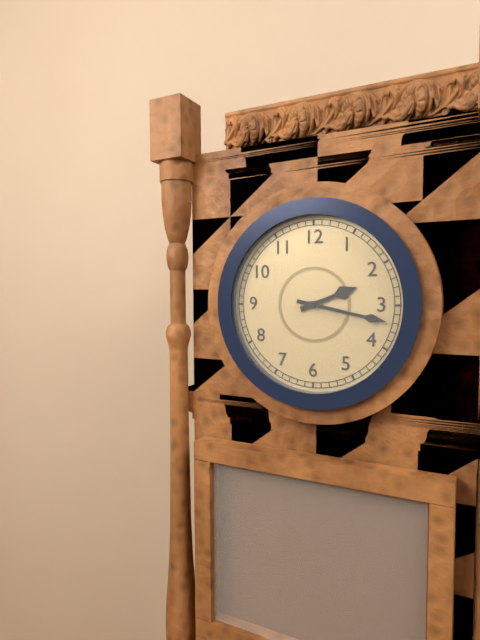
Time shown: **2:17**
